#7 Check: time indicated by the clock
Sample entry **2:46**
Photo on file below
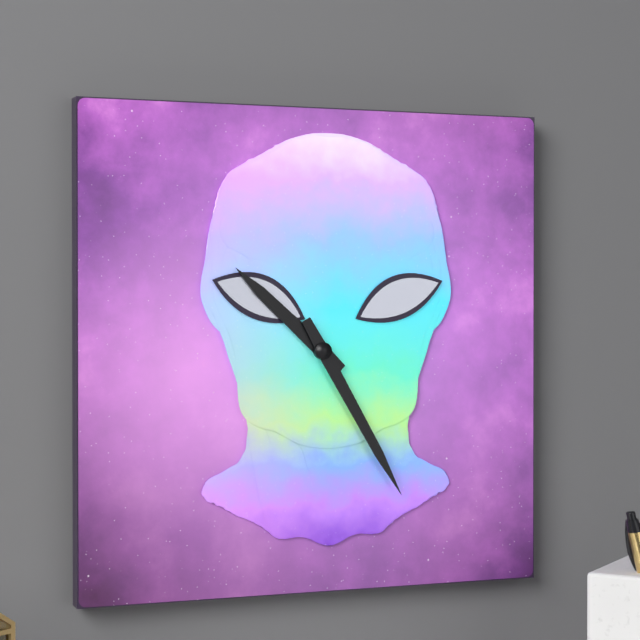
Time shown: **10:25**
